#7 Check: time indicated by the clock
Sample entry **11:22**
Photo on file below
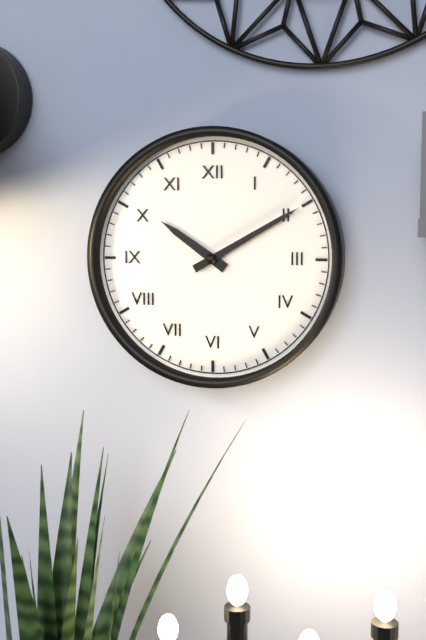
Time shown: **10:10**
